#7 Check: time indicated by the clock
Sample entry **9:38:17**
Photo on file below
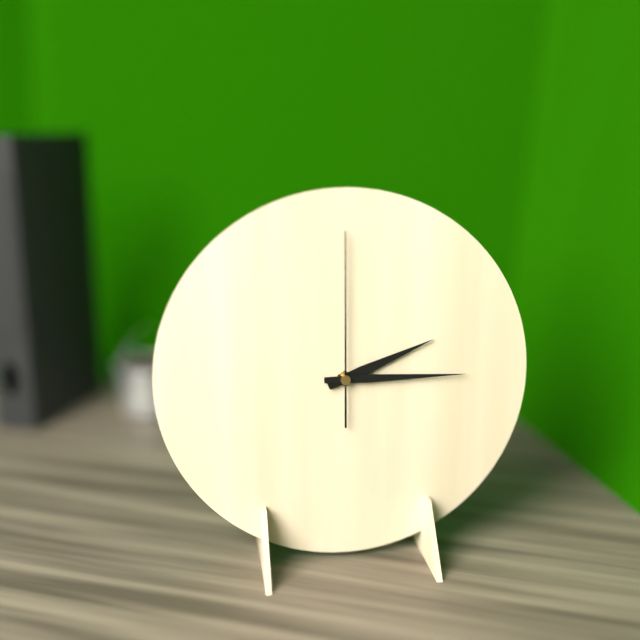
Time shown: **2:15:00**
